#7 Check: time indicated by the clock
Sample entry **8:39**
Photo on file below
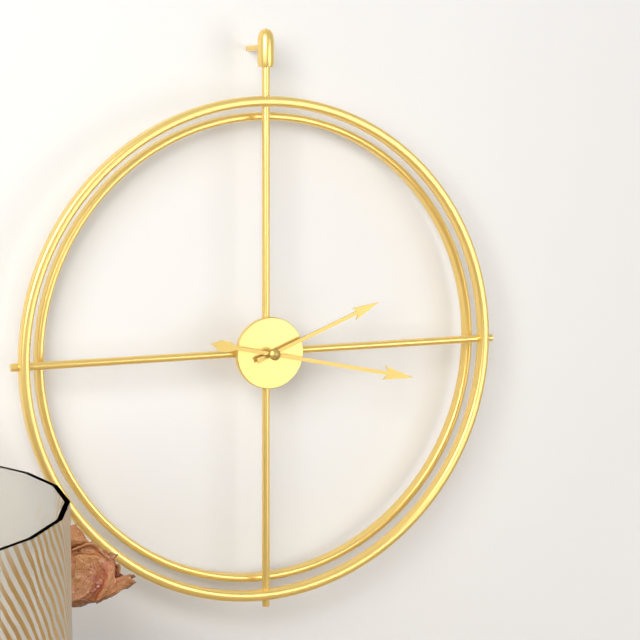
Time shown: **2:17**
